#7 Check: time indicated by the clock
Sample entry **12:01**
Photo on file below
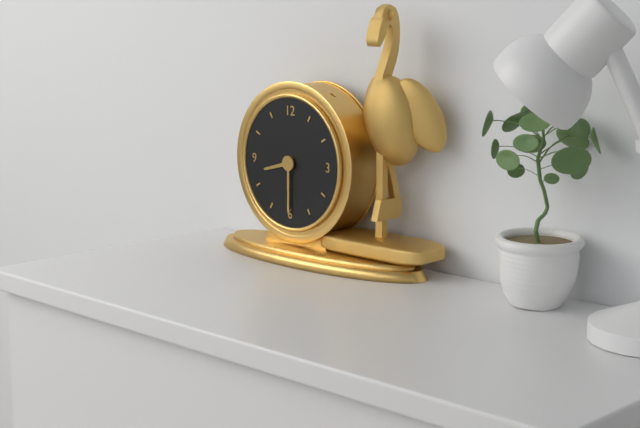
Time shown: **8:30**
